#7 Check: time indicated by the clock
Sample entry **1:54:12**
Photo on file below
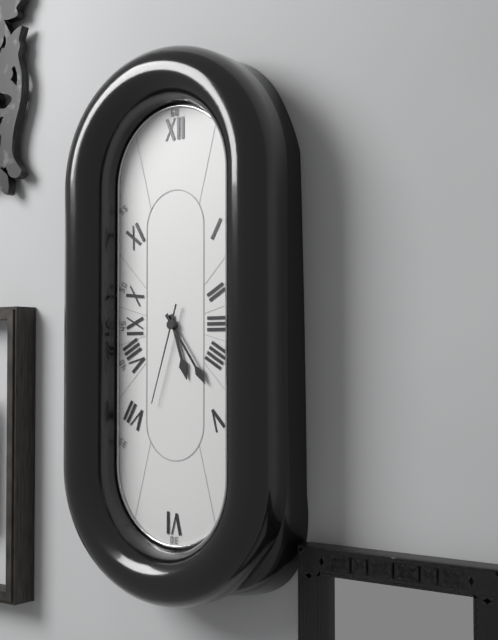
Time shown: **5:24:33**
